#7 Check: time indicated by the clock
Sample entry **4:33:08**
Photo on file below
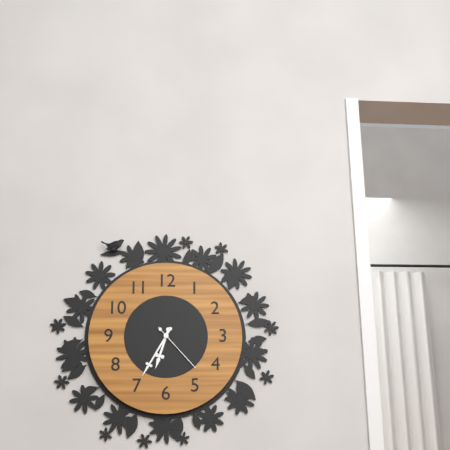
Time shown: **6:35:23**
